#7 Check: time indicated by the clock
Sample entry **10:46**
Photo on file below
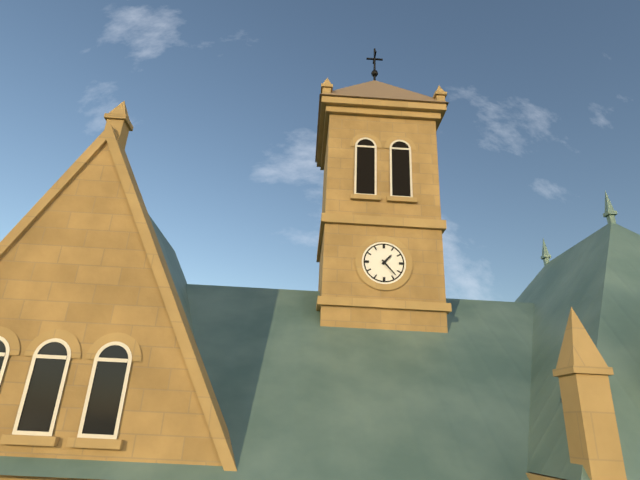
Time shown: **1:23**
